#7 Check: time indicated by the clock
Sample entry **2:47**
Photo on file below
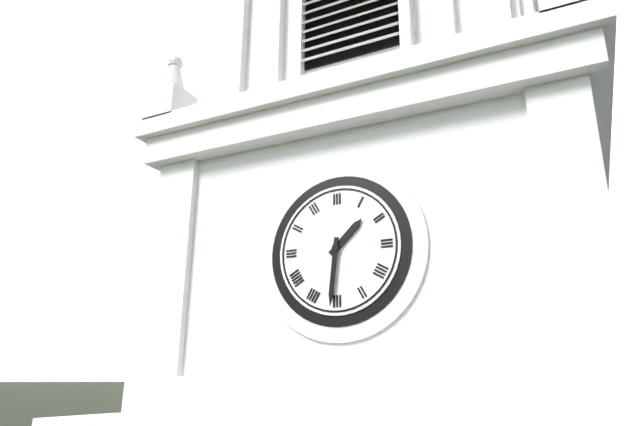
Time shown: **1:31**
